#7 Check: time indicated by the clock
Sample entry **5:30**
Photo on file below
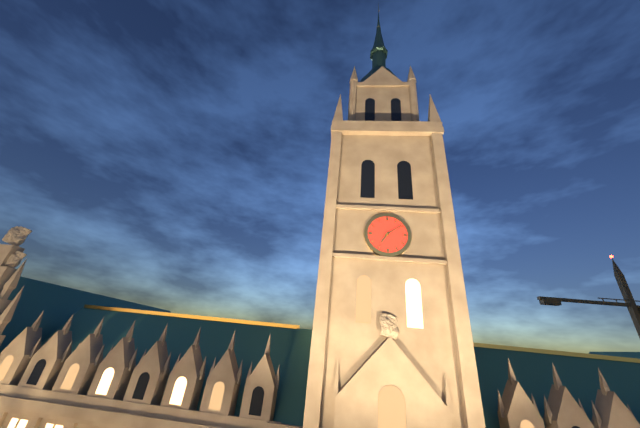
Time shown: **7:09**
